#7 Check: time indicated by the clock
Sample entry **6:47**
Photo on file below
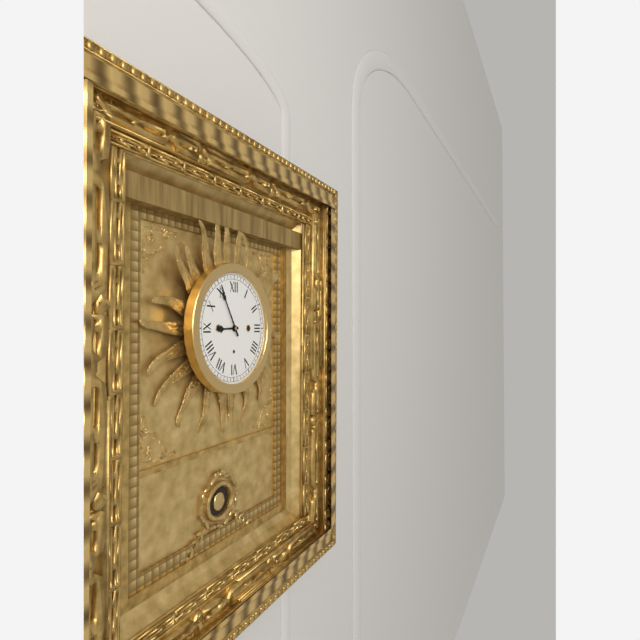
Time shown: **8:55**
